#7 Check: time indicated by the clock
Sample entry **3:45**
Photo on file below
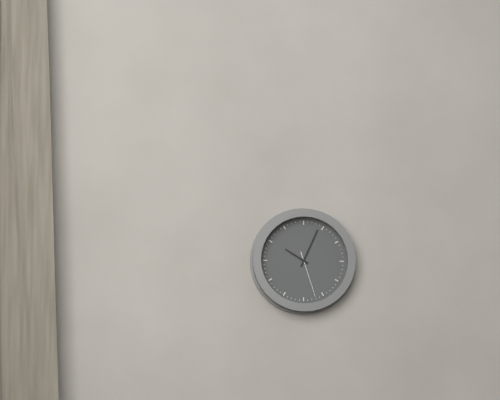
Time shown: **10:04**
